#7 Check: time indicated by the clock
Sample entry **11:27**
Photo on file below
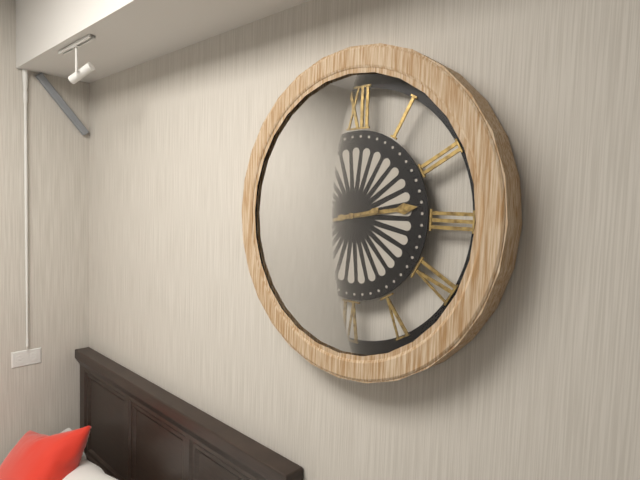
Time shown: **2:43**
